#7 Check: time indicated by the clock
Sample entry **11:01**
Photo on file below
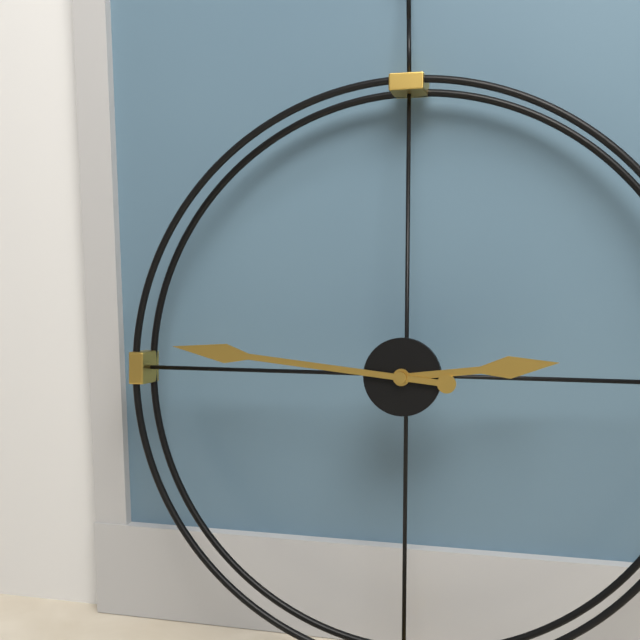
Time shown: **2:46**
